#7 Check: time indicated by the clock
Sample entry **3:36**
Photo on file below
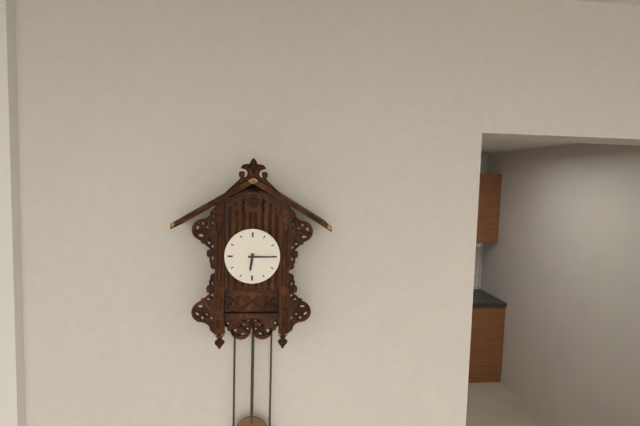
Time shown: **6:15**
